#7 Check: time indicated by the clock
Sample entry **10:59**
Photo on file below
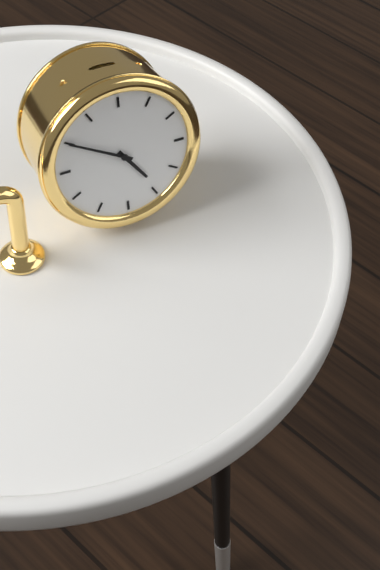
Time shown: **4:50**
